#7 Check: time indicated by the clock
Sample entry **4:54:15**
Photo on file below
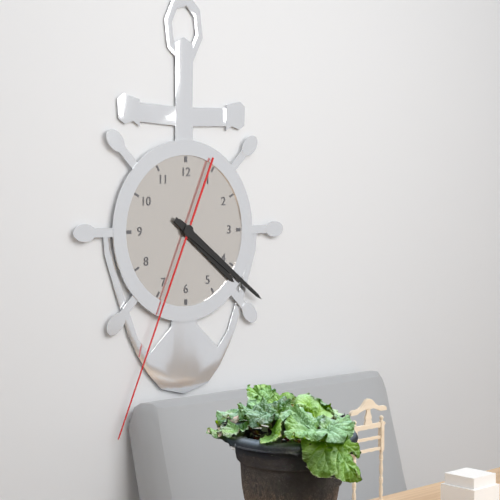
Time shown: **4:21:34**
